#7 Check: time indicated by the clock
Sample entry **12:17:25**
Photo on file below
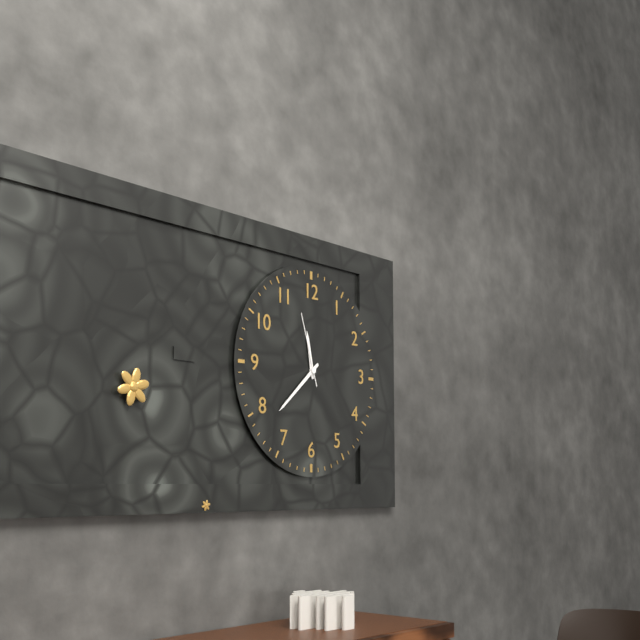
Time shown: **11:38:57**
